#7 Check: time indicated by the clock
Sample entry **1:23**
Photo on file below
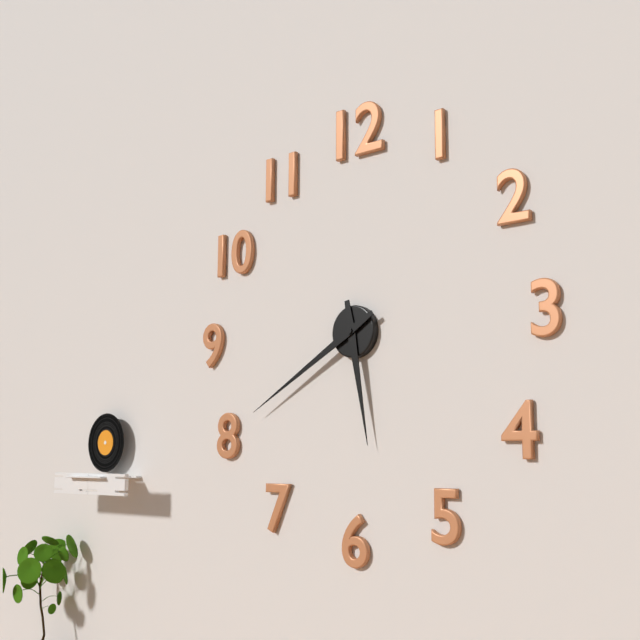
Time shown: **5:40**
